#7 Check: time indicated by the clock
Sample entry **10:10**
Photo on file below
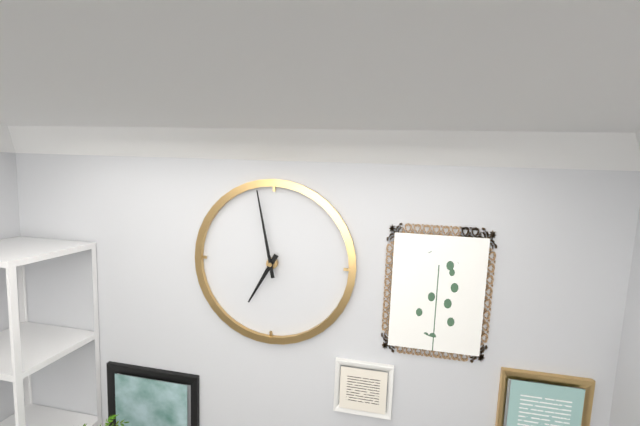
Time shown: **6:58**
